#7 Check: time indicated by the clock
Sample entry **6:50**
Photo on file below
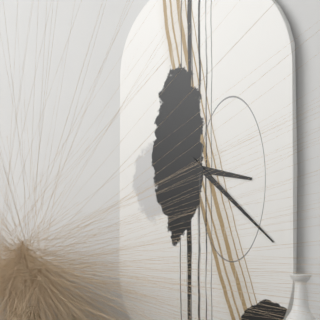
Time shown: **3:22**
